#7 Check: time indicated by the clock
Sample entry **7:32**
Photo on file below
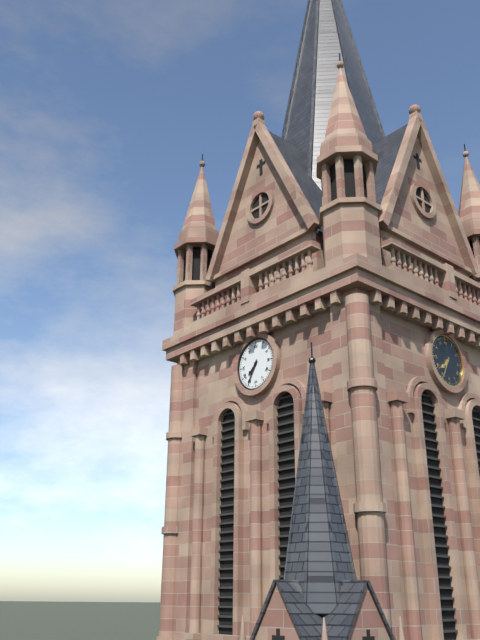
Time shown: **7:35**
